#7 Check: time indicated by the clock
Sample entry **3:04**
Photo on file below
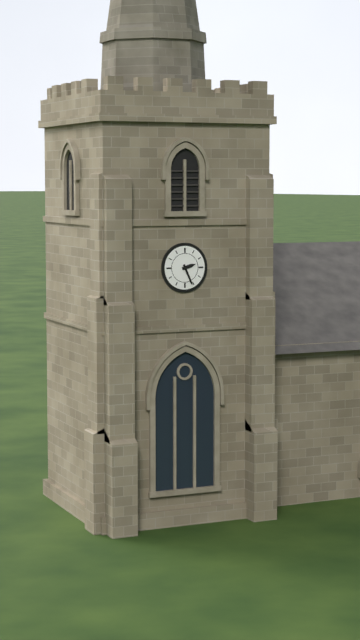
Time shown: **2:26**
